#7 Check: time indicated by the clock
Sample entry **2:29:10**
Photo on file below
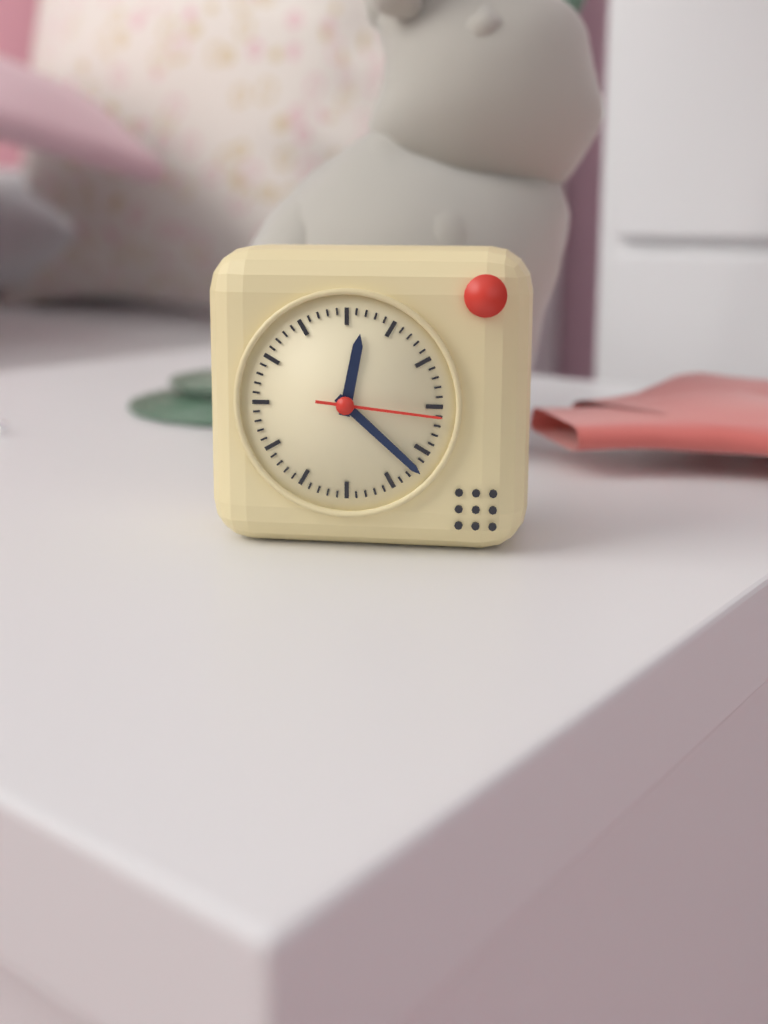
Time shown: **12:22:16**
